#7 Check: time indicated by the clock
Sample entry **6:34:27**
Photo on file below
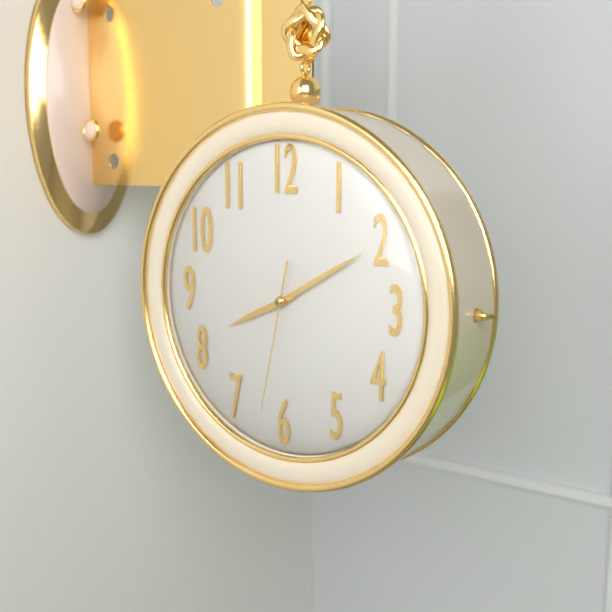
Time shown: **8:10:32**
